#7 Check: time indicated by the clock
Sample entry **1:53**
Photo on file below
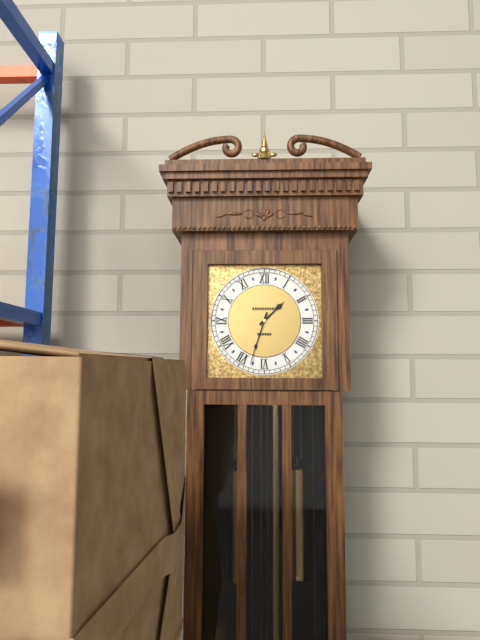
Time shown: **1:33**
